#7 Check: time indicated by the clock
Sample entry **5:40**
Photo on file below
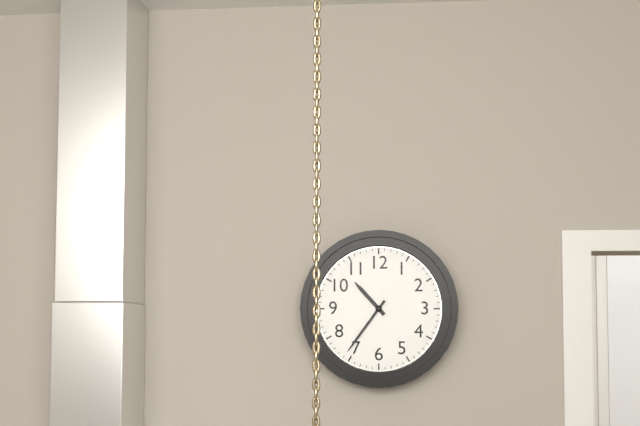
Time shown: **10:36**
